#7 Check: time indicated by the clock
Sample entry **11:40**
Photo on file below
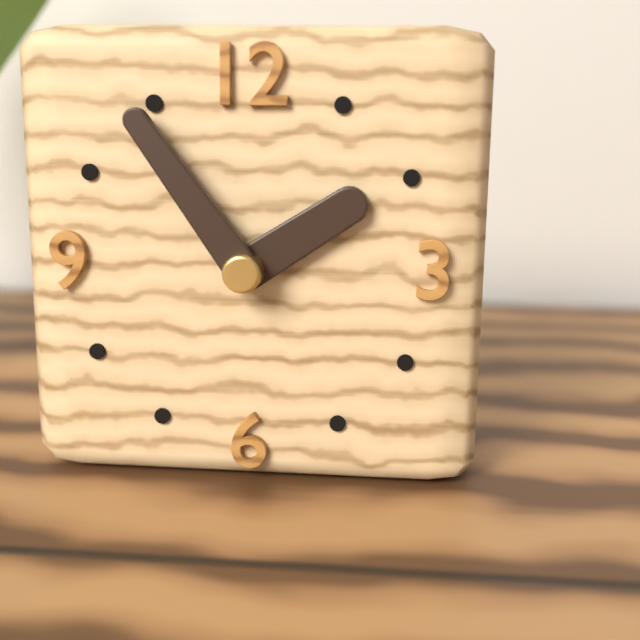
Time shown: **1:54**
